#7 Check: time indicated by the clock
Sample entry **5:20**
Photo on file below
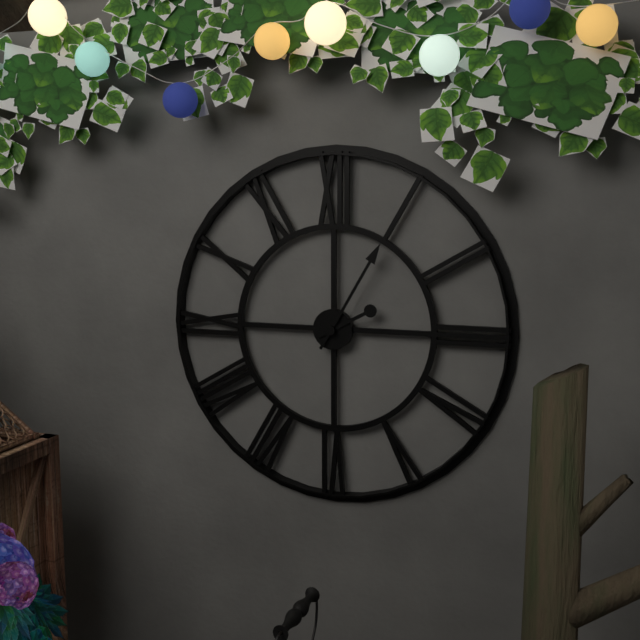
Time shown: **2:05**
